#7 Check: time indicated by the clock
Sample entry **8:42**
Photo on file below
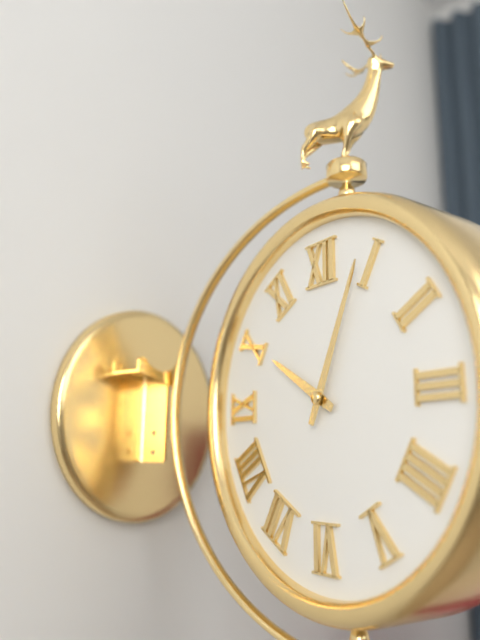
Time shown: **10:04**
